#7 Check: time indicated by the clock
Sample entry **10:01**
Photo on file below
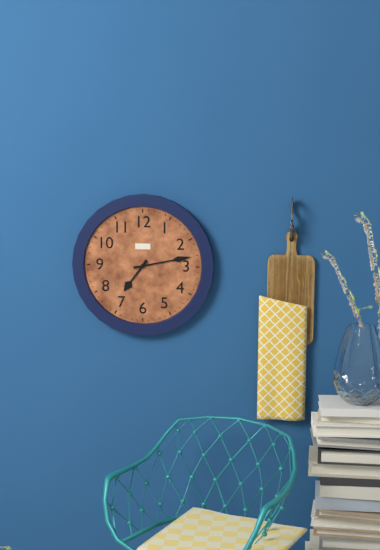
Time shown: **7:13**
